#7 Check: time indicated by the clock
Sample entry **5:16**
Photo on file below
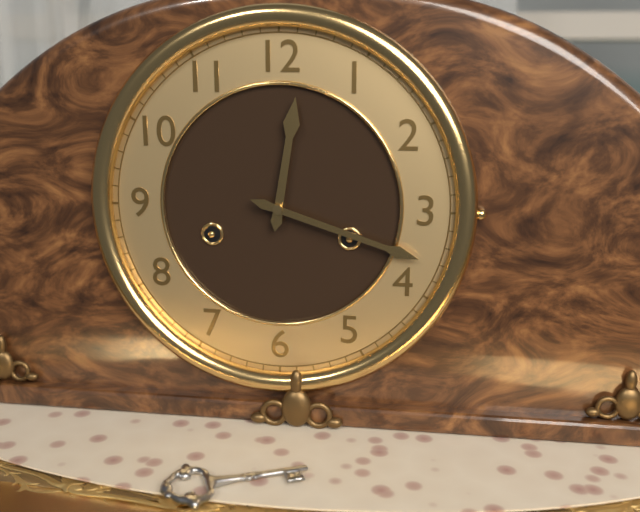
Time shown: **12:18**
